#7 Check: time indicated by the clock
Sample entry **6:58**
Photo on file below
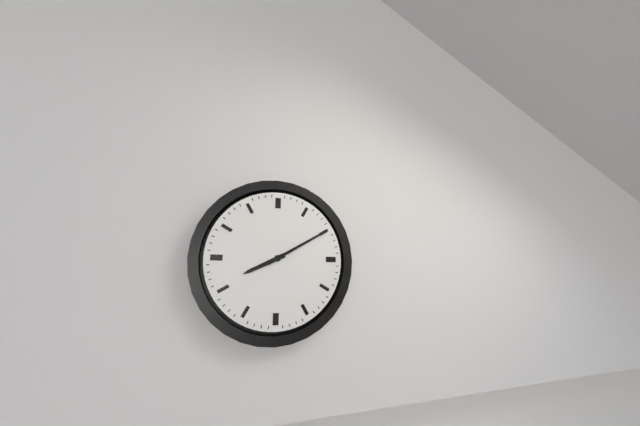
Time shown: **8:10**
